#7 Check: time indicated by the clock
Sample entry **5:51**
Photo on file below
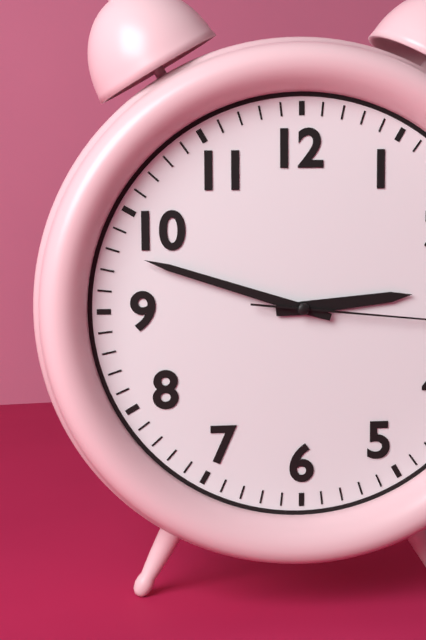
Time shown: **2:48**
